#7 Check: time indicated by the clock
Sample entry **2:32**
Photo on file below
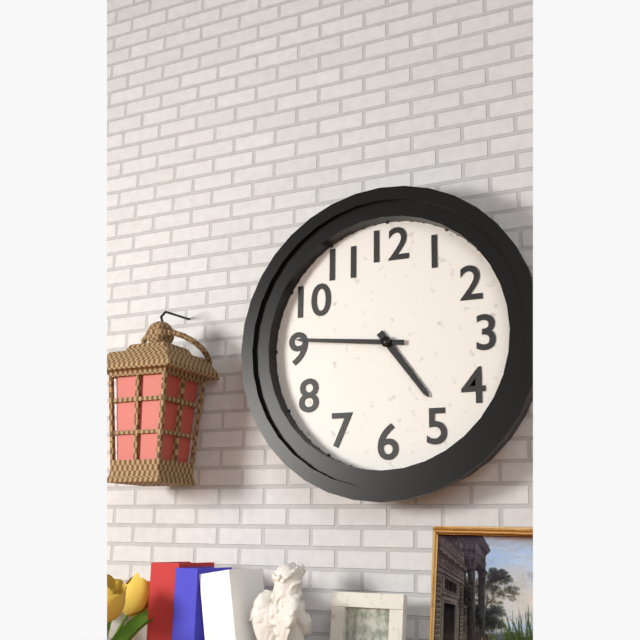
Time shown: **4:46**
